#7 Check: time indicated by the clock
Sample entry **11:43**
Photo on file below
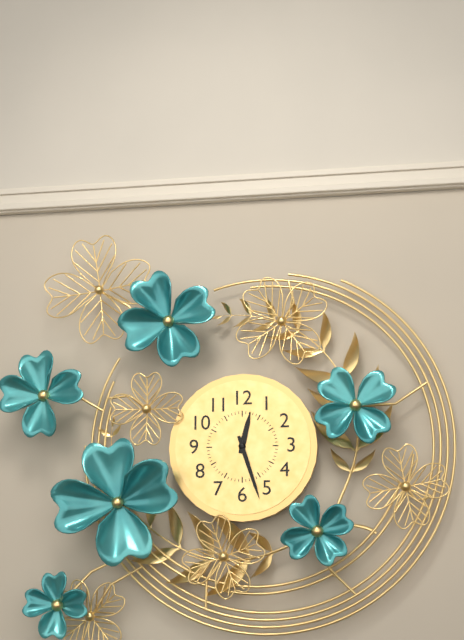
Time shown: **12:27**
